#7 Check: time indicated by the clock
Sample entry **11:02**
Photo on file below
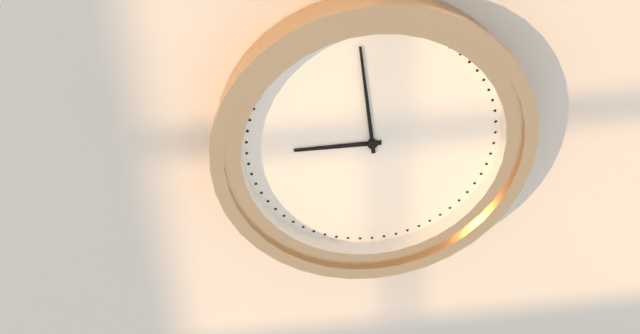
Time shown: **8:59**
